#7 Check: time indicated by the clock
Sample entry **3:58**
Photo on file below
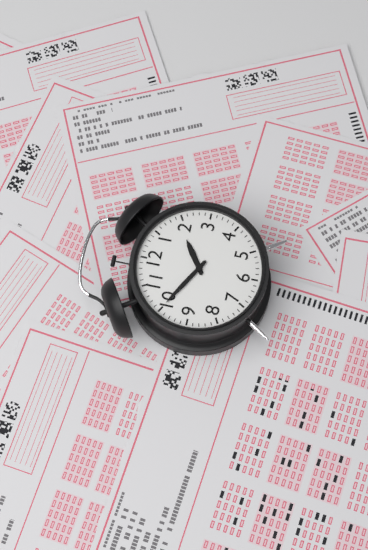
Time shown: **1:50**
